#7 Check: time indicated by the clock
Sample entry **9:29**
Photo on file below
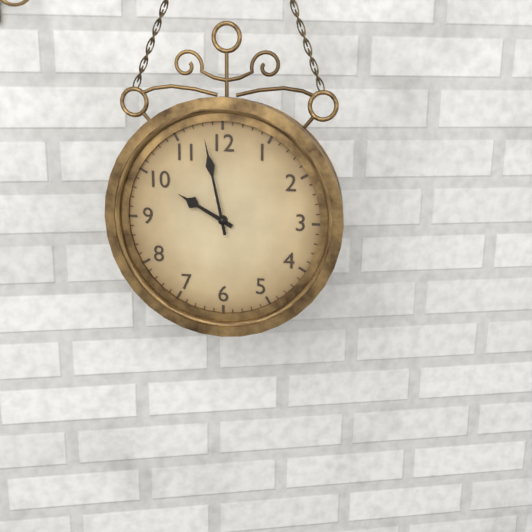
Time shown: **9:58**
